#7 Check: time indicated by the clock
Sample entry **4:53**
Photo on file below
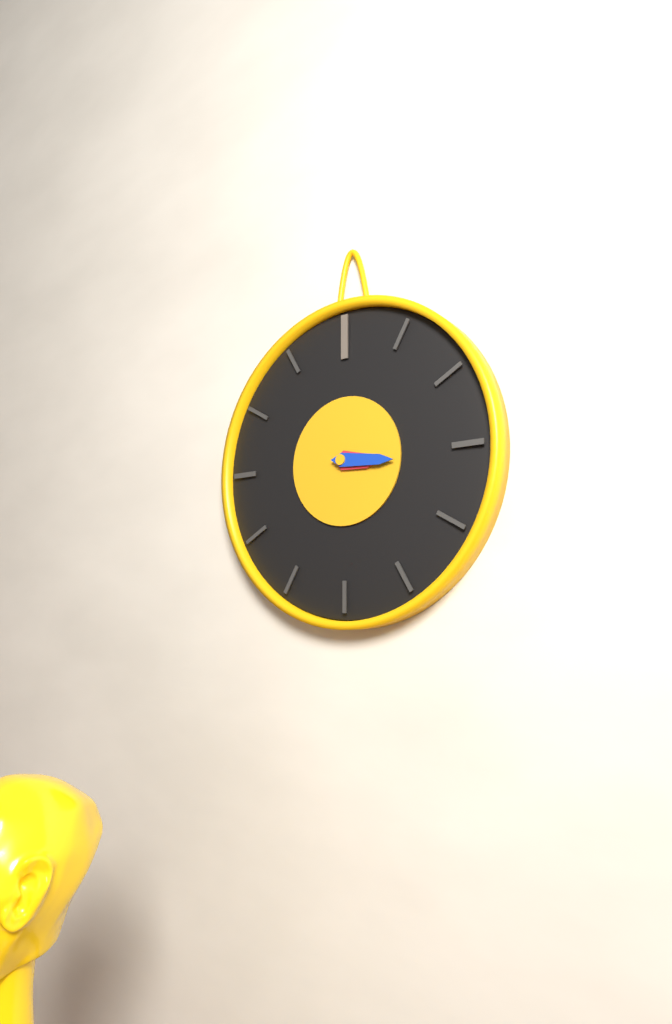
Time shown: **3:16**
